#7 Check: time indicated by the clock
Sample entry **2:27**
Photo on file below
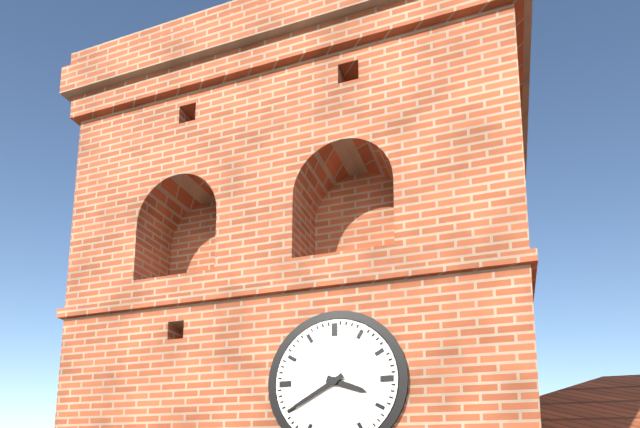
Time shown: **3:40**
